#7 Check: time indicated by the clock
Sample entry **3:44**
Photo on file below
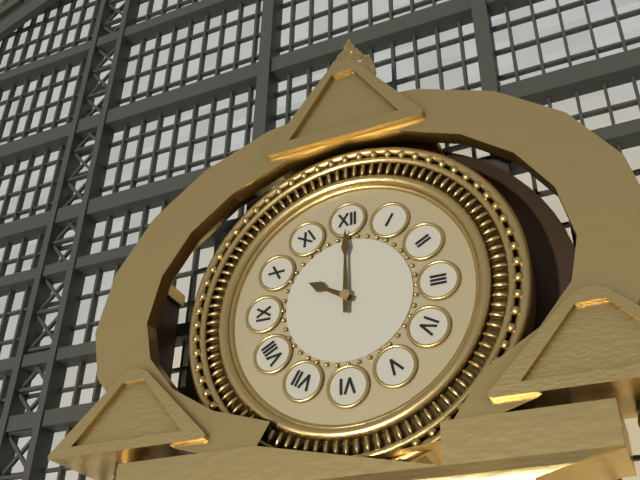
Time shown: **10:00**
